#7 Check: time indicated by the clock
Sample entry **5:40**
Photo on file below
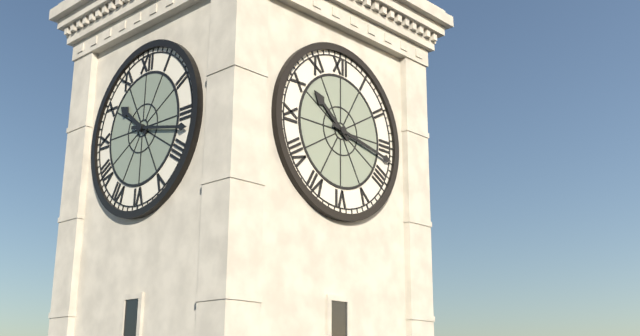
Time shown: **10:17**
